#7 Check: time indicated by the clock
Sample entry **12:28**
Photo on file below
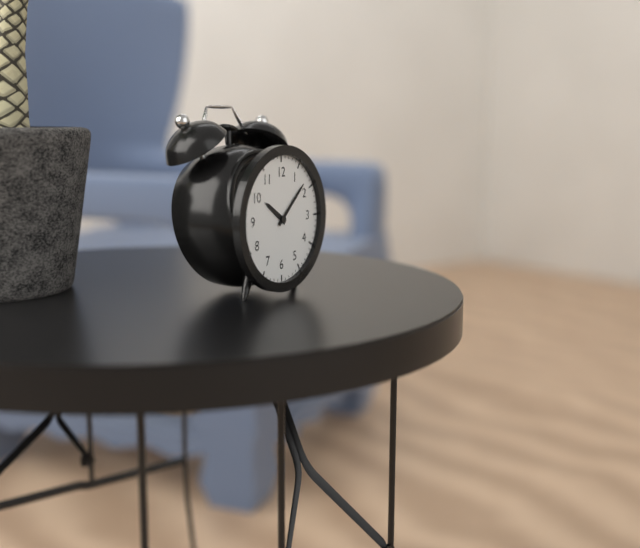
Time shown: **10:08**
